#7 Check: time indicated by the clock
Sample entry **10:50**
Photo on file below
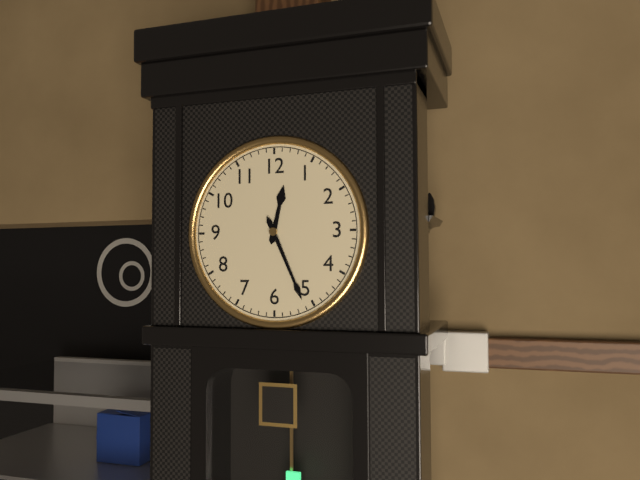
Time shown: **12:26**
